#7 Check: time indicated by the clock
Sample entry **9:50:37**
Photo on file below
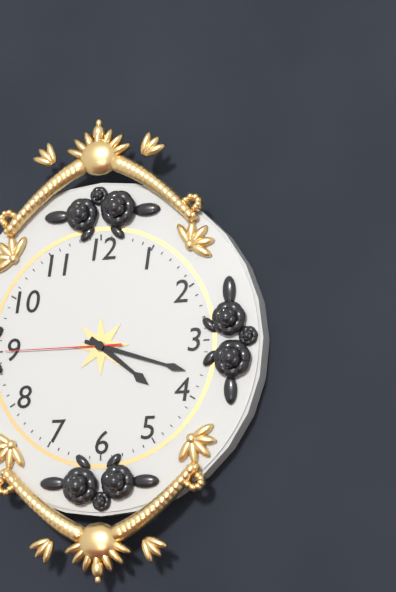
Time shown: **4:18:45**
